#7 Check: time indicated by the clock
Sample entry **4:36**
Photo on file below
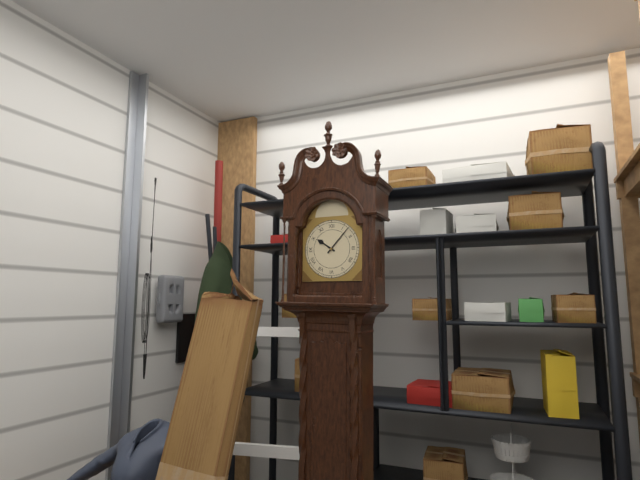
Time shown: **10:07**
